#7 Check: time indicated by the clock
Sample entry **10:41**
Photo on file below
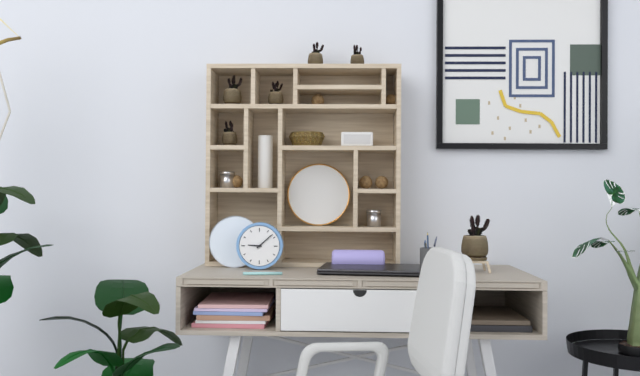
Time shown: **9:08**
